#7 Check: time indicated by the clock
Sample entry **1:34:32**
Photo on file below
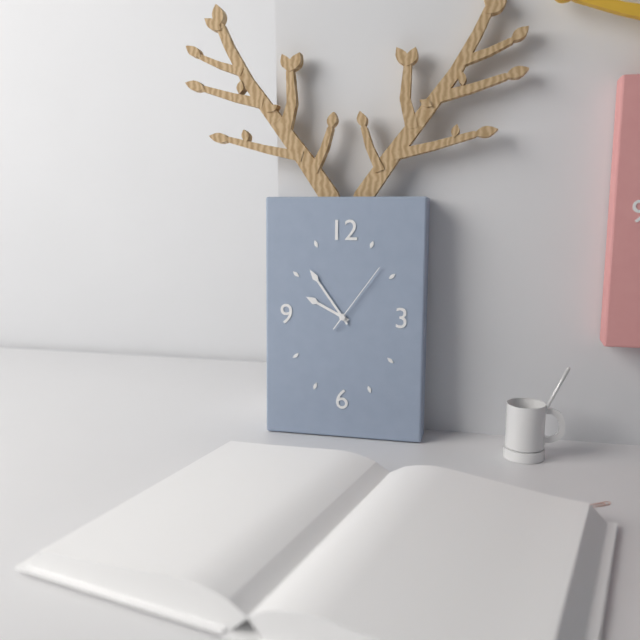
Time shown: **9:54:06**
